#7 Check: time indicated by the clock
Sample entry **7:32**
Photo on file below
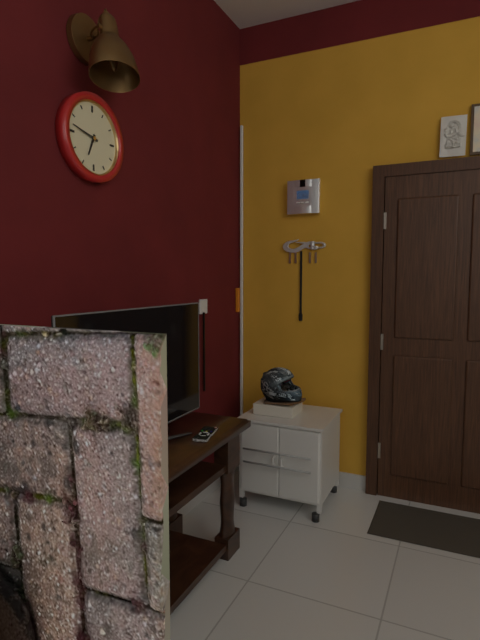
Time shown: **6:47**
